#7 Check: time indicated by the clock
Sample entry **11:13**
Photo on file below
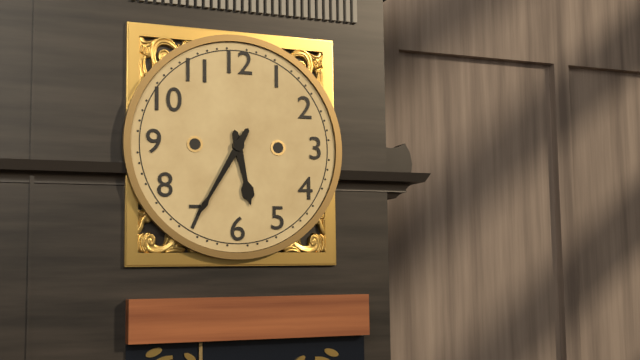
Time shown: **5:35**
